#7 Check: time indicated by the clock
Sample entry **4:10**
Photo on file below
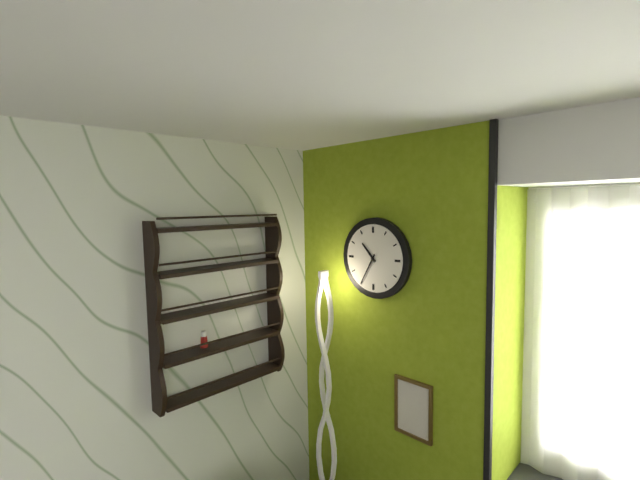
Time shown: **10:35**
